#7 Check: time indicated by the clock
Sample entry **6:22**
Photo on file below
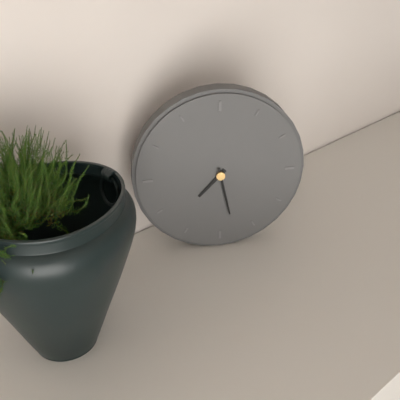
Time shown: **7:28**
